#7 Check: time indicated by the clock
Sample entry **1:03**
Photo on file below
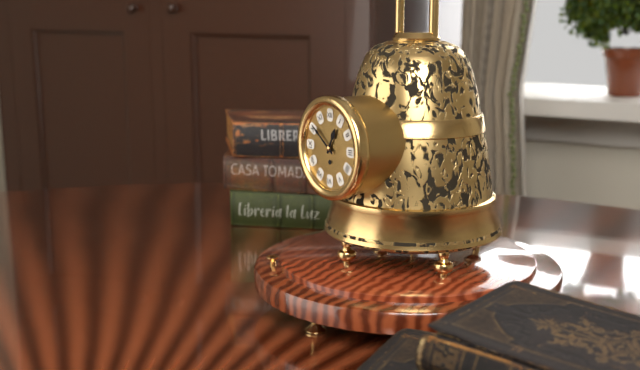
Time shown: **12:51**
